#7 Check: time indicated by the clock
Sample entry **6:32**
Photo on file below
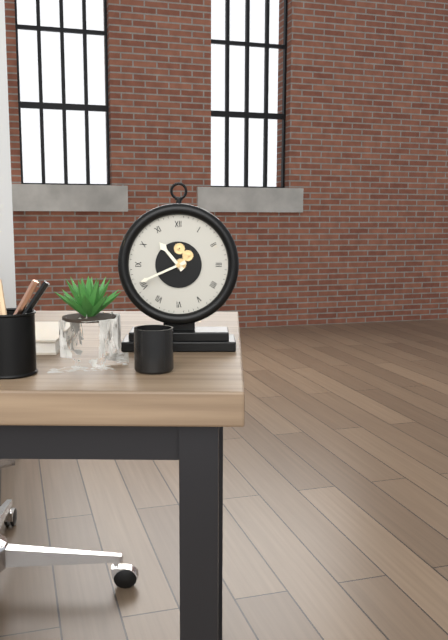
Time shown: **10:41**
